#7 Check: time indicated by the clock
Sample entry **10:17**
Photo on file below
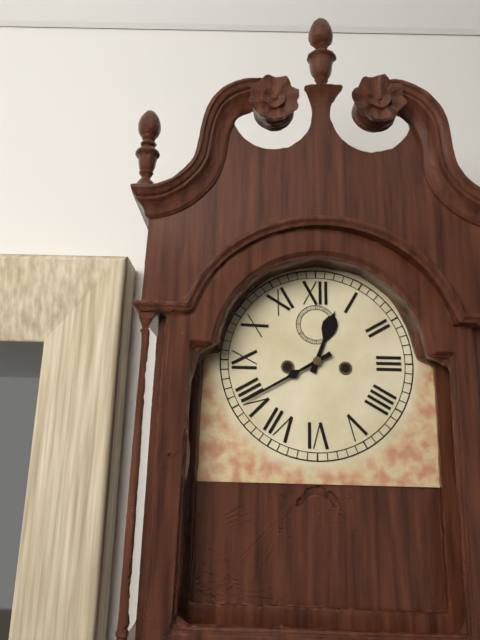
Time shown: **12:40**
